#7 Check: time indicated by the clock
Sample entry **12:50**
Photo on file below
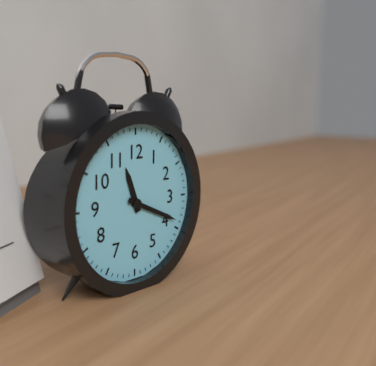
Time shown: **11:19**
